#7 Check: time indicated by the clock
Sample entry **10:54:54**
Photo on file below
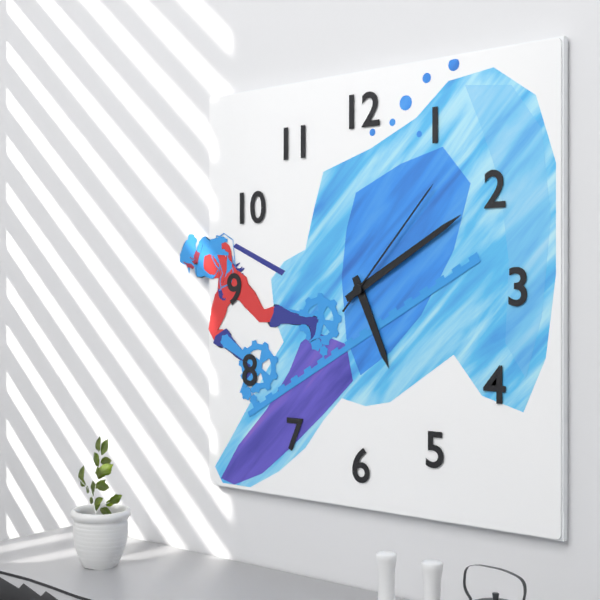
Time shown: **5:10:07**
